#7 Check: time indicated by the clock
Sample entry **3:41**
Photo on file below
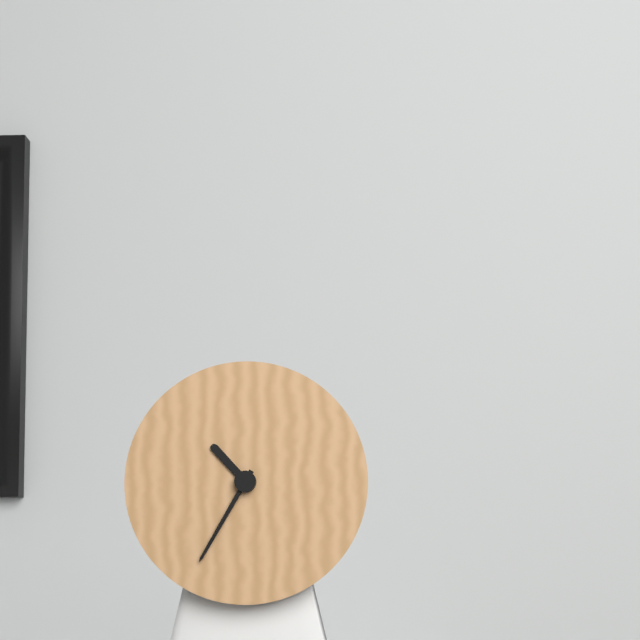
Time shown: **10:35**
